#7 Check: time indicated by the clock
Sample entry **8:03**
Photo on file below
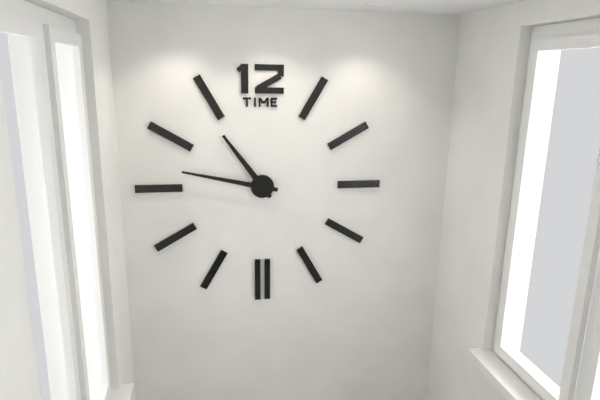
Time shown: **10:47**
